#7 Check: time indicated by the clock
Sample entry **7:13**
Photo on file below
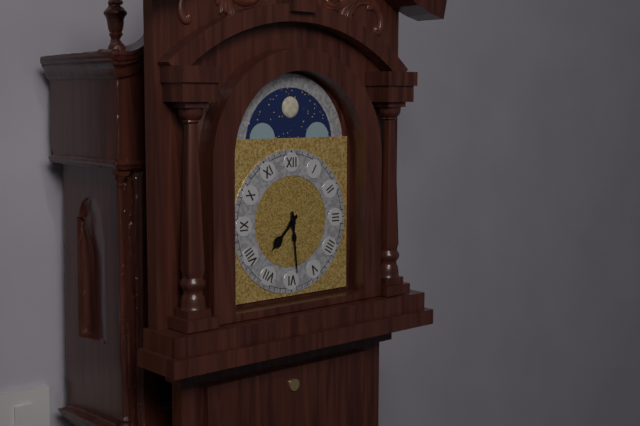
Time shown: **7:29**
